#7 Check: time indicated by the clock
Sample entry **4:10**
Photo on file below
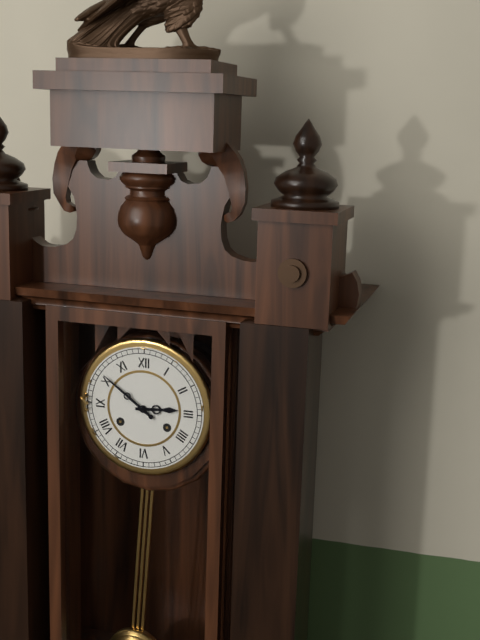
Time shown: **2:51**
